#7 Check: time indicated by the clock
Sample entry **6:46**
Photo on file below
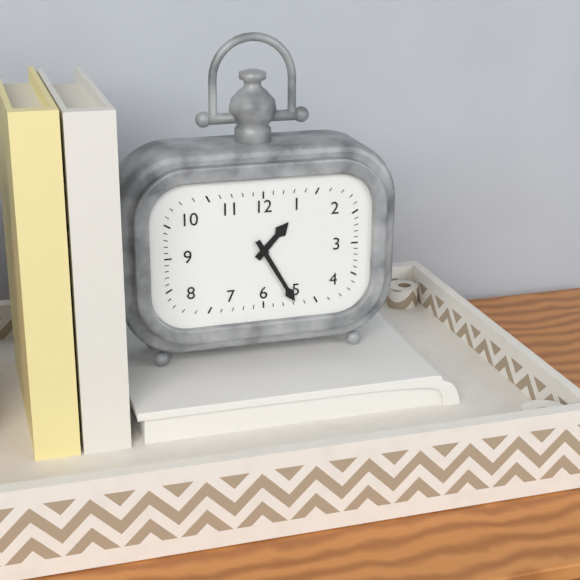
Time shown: **1:25**
